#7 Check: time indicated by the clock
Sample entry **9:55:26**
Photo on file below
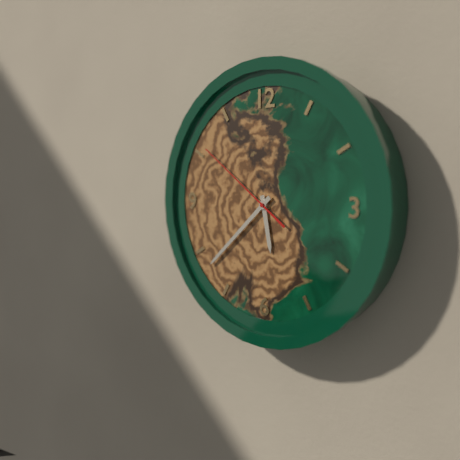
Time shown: **5:38:51**
